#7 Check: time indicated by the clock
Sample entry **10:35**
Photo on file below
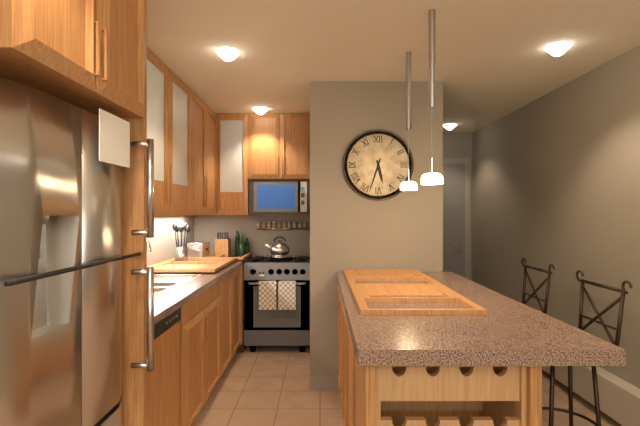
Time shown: **5:33**
